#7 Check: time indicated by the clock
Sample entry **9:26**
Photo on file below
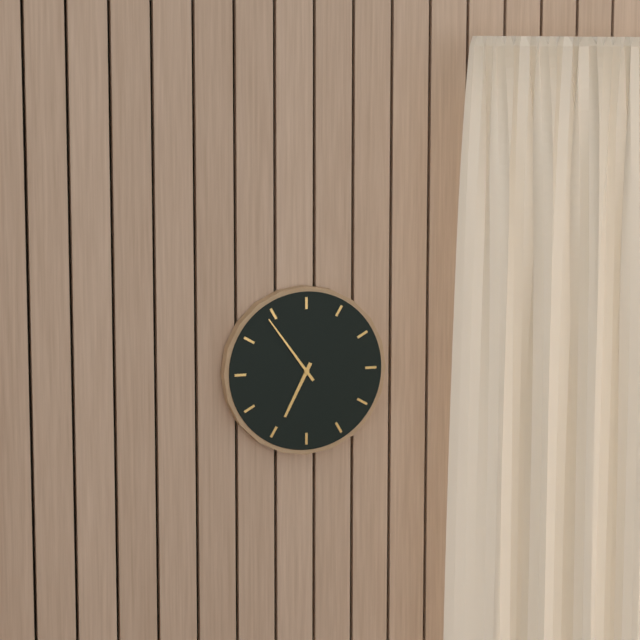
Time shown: **6:54**
